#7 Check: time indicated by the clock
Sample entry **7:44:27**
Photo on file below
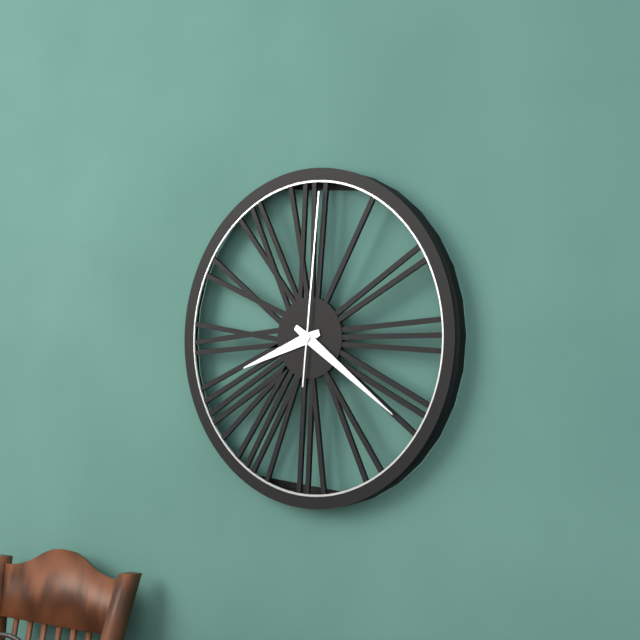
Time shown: **8:21:01**
